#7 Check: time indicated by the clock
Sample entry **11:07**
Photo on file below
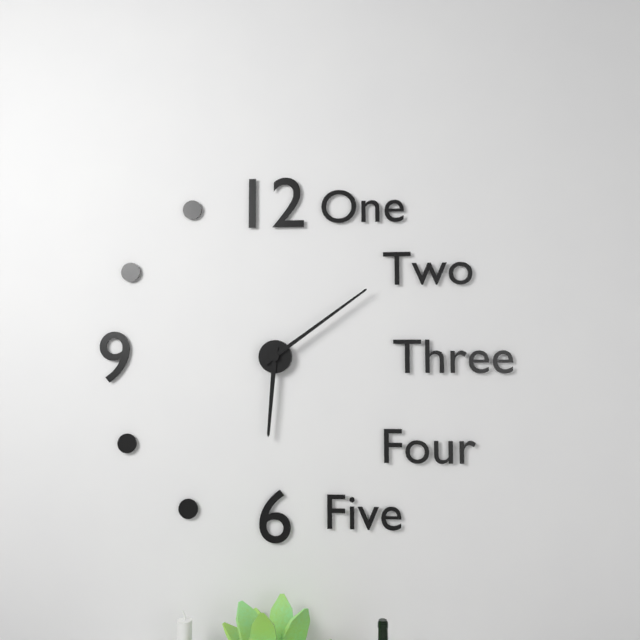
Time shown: **6:09**
